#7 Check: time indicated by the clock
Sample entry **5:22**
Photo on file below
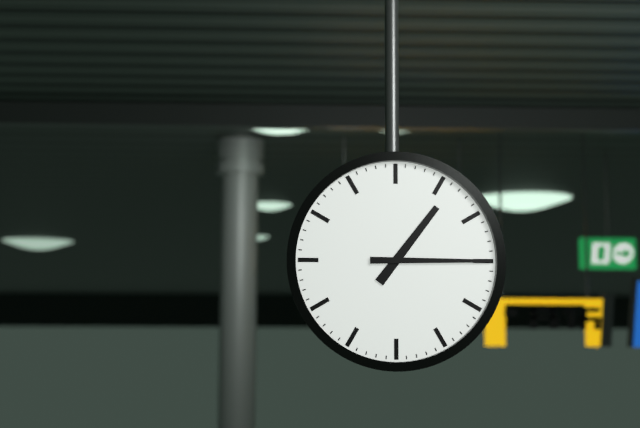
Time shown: **1:15**
